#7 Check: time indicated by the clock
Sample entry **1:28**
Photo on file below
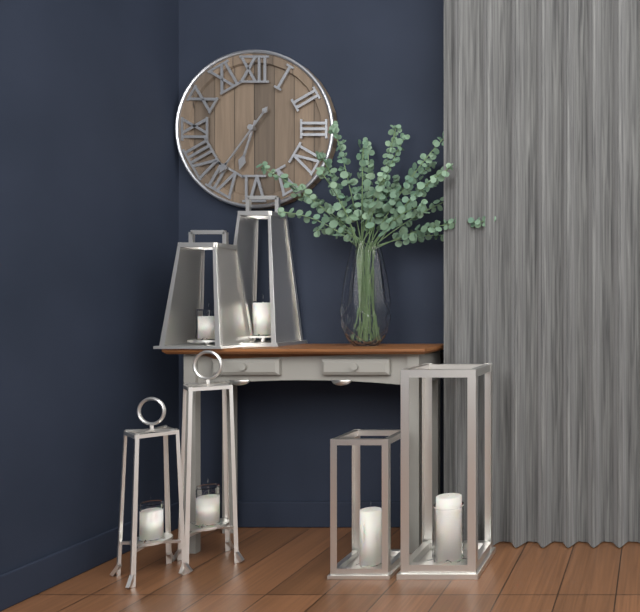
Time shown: **6:36**
